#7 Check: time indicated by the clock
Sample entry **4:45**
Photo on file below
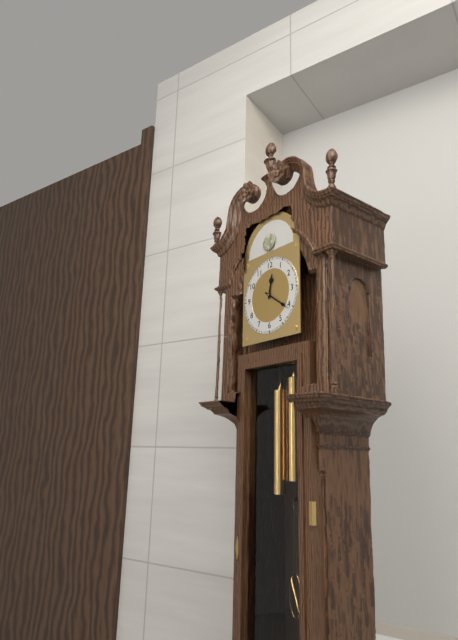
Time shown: **12:21**
